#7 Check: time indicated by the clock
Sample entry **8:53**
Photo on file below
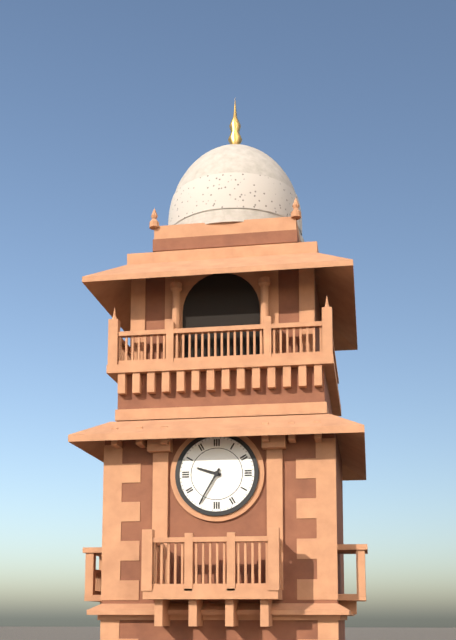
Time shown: **9:35**
